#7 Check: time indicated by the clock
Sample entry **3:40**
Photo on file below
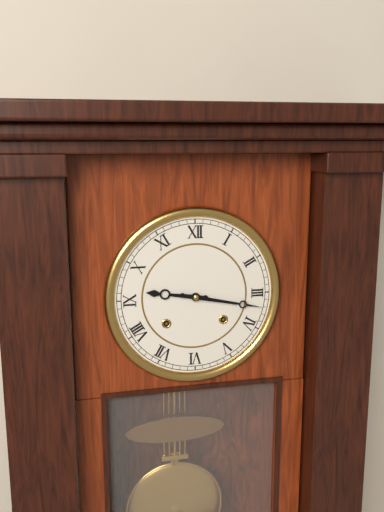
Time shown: **9:17**
